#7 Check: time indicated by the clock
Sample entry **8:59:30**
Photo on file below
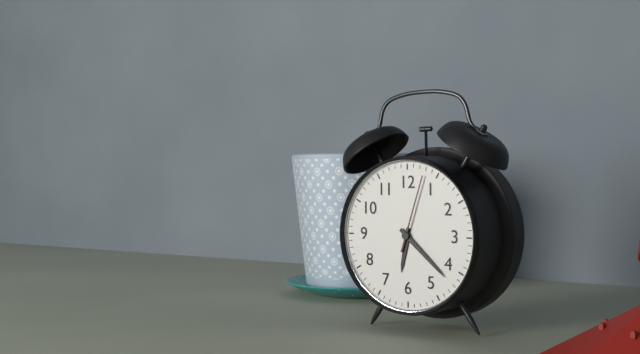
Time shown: **6:22:03**
